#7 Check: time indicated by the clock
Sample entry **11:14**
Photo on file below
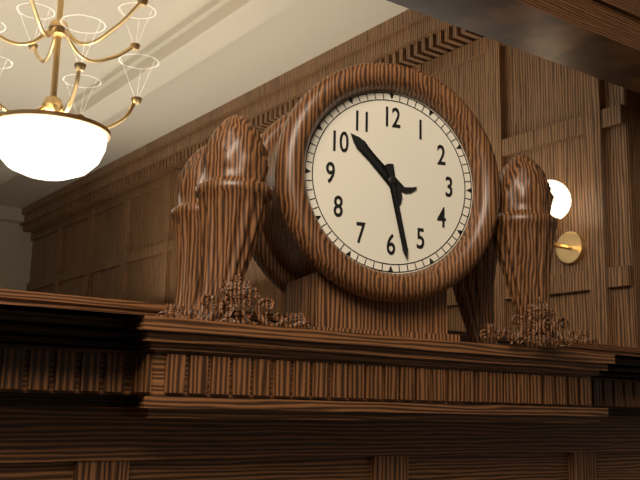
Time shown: **10:28**
